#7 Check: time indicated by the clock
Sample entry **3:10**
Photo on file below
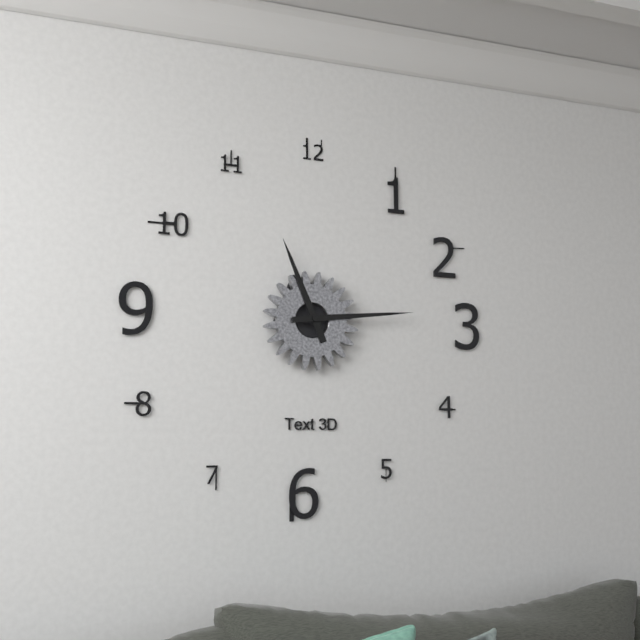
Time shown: **11:14**
